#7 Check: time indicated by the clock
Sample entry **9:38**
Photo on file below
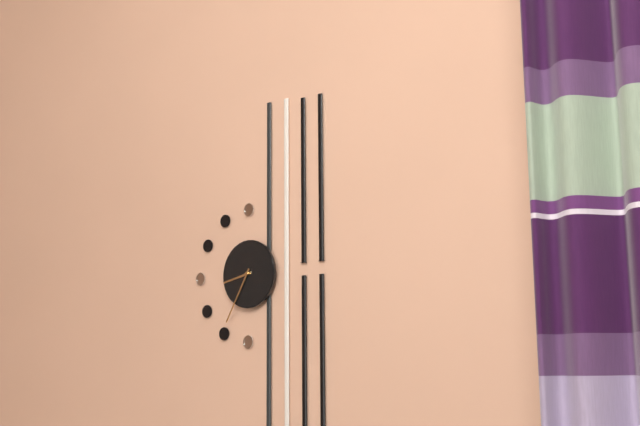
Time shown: **8:35**
